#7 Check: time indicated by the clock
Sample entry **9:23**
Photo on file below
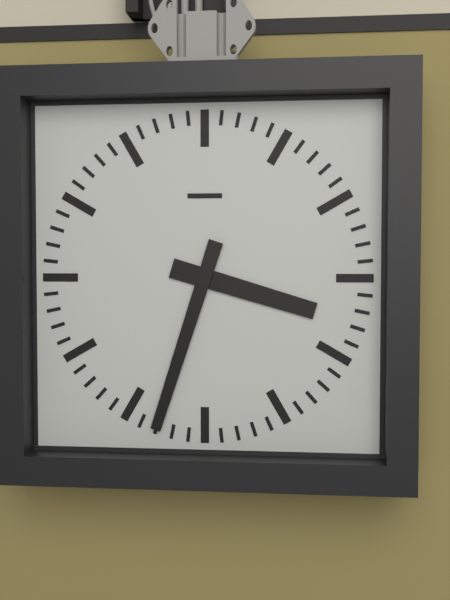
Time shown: **3:33**
